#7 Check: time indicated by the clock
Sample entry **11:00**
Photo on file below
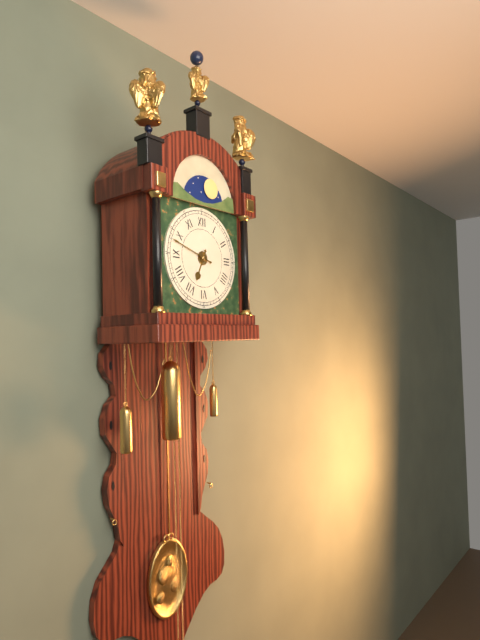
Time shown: **6:48**
